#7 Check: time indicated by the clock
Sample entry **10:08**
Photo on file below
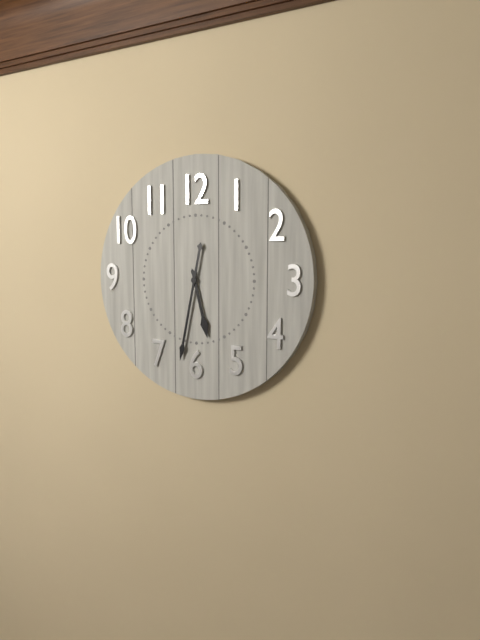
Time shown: **5:32**
